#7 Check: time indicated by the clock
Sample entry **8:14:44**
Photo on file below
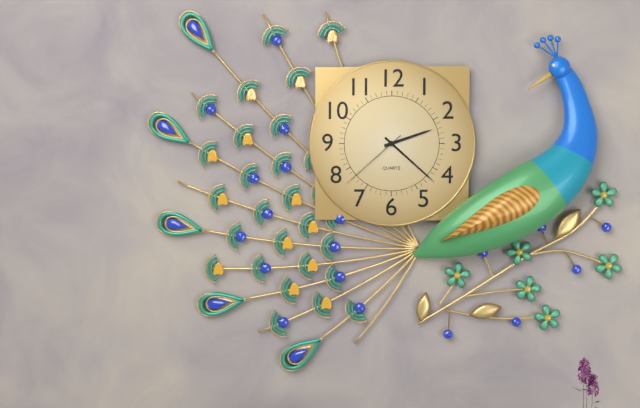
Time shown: **2:22:38**
